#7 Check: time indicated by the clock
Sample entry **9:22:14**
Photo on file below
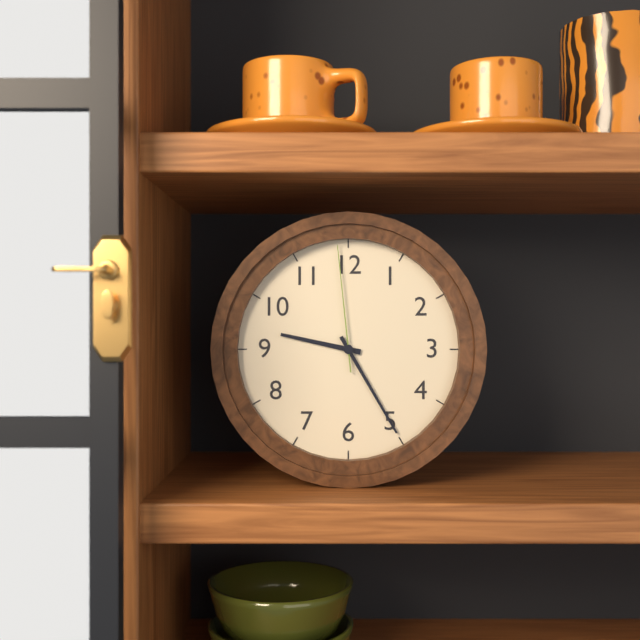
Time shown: **9:25:59**
